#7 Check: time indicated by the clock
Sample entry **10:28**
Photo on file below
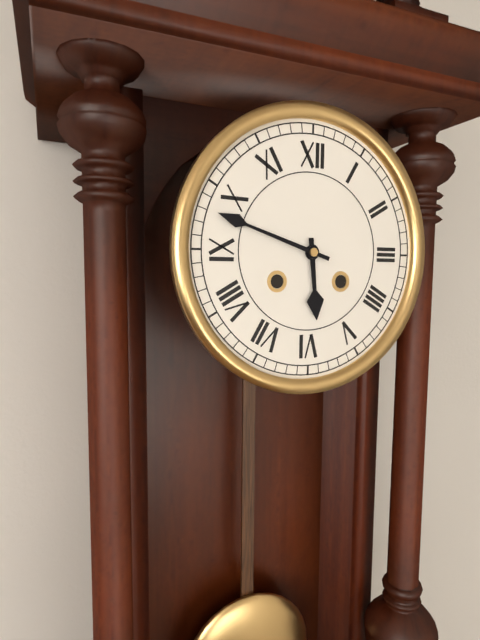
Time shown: **5:48**
